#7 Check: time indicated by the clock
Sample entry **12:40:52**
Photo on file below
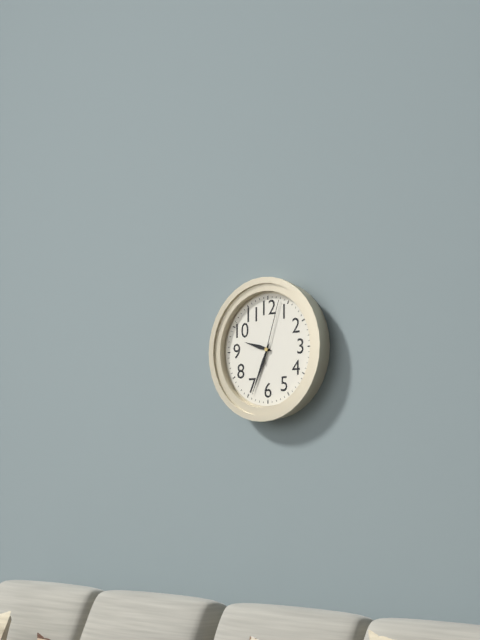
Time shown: **9:34:03**
